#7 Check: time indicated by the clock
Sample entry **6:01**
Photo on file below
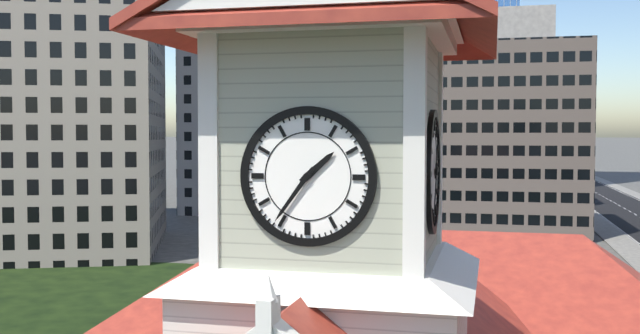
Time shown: **1:36**
